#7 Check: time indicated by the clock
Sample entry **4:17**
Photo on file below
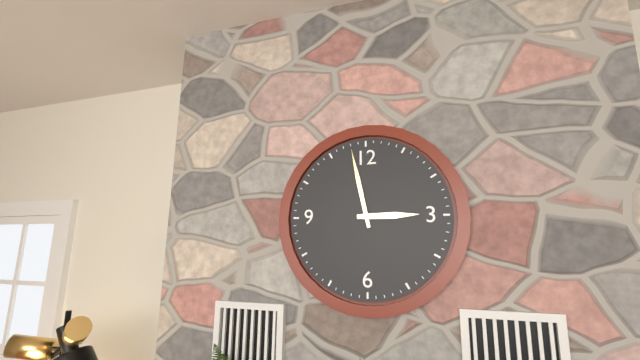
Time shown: **2:58**
